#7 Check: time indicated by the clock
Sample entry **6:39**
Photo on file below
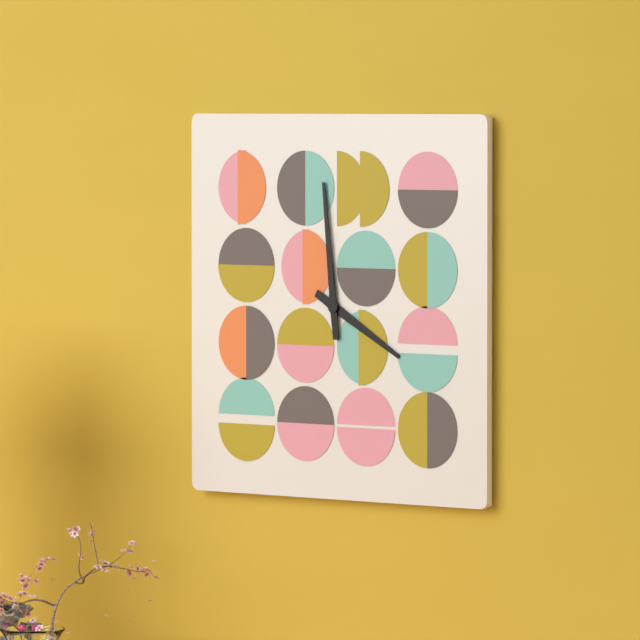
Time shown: **3:59**
